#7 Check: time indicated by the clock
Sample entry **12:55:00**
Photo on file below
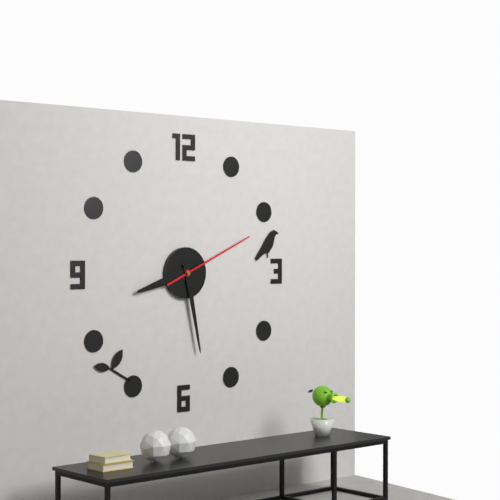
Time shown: **8:28:11**
